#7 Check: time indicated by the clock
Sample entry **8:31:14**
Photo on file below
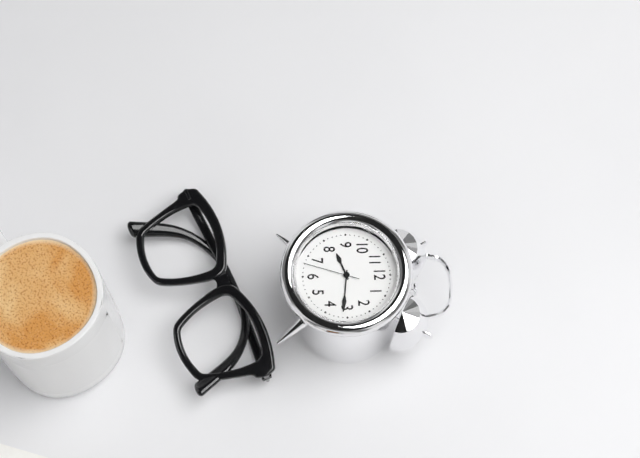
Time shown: **8:16:33**
